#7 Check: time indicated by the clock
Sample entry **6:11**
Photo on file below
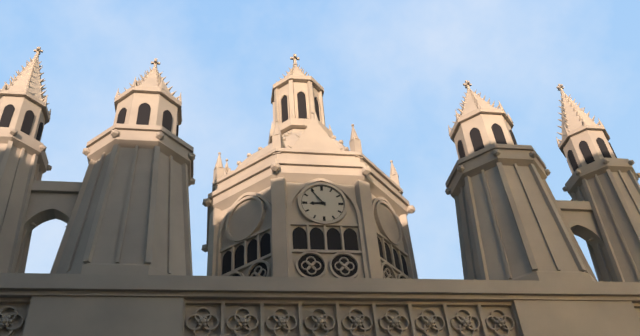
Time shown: **8:54**
